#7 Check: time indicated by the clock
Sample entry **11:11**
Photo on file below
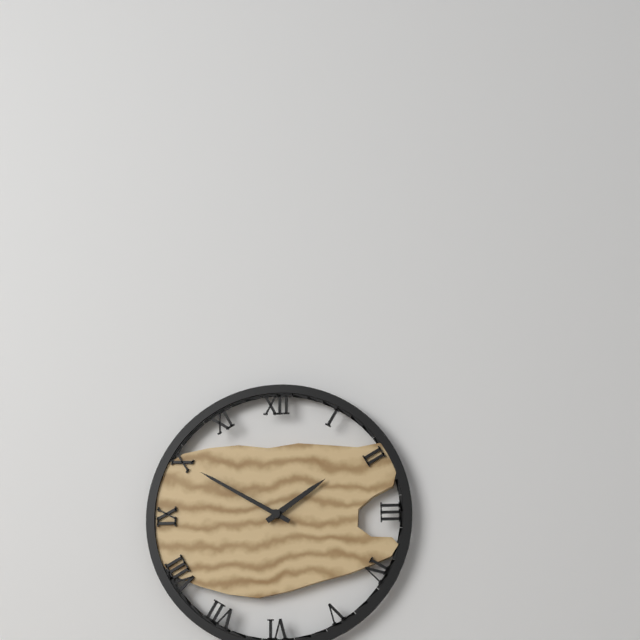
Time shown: **1:50**
